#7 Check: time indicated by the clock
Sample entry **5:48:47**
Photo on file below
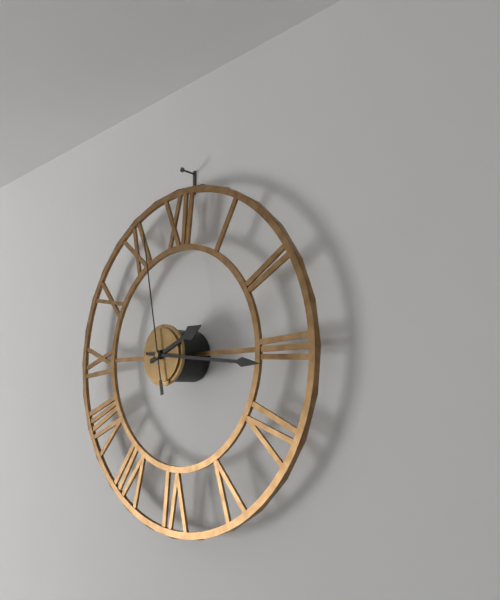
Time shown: **2:16:58**
